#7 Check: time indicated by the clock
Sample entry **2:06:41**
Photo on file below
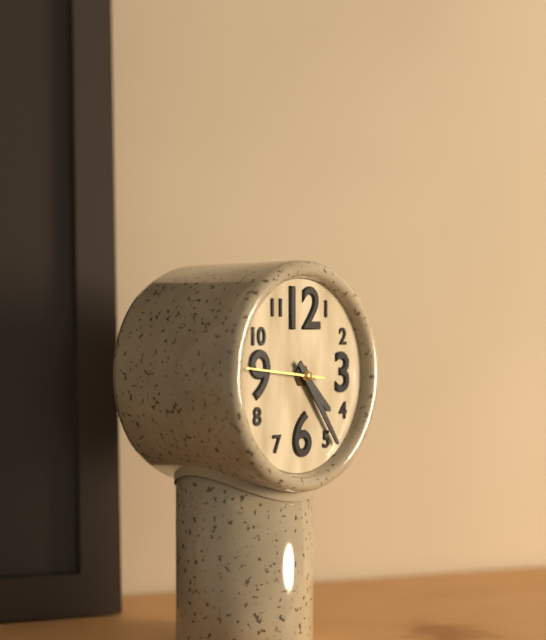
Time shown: **4:24:46**
